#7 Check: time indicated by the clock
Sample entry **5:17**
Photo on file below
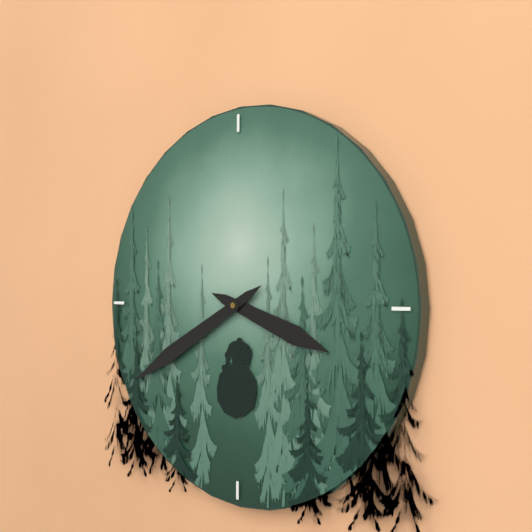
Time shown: **3:40**
